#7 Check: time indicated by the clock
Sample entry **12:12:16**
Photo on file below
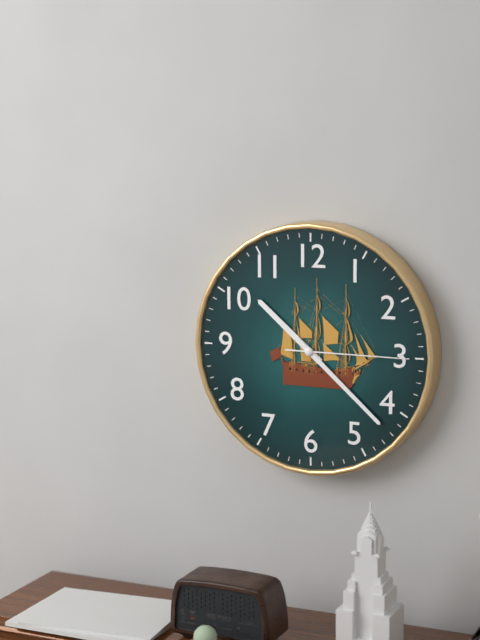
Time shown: **10:22:15**
